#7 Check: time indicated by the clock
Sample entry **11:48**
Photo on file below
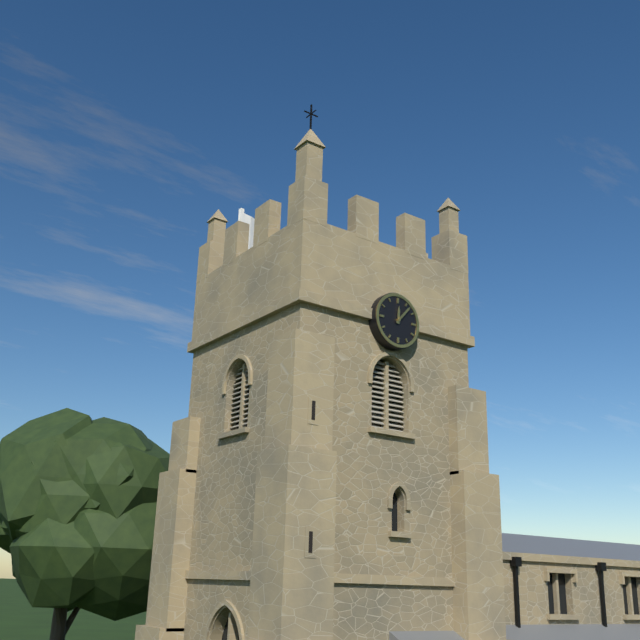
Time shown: **12:07**
